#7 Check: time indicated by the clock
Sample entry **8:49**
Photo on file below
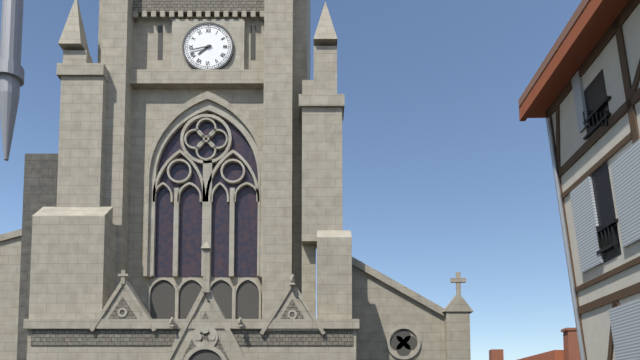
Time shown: **7:43**
